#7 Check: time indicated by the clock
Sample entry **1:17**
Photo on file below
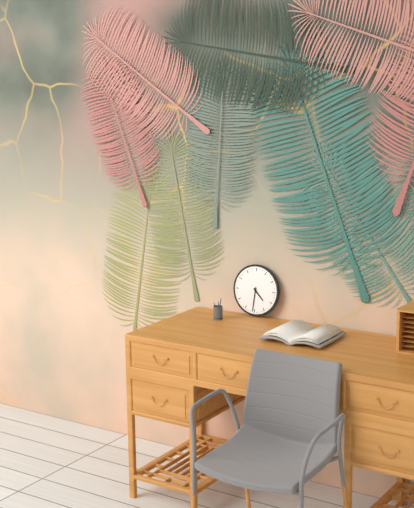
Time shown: **4:31**
